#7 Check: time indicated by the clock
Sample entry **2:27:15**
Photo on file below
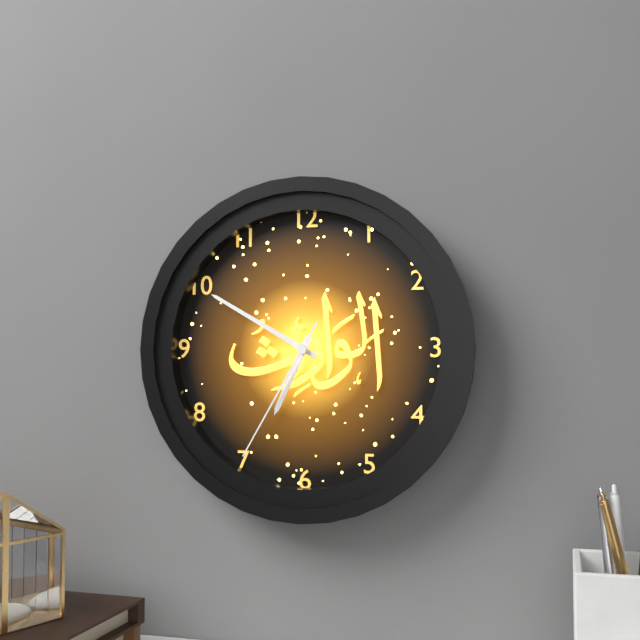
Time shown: **6:50:35**
